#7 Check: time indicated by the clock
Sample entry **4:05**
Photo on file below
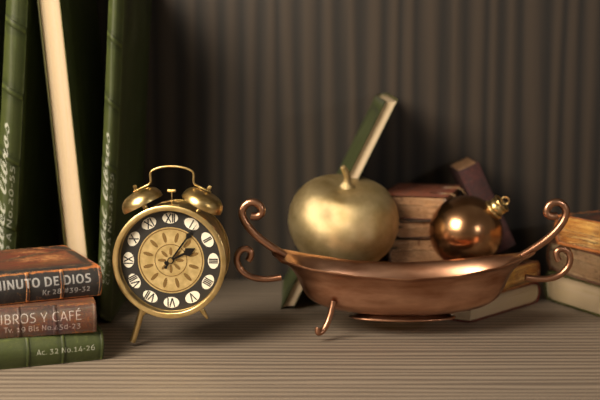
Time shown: **2:06**
